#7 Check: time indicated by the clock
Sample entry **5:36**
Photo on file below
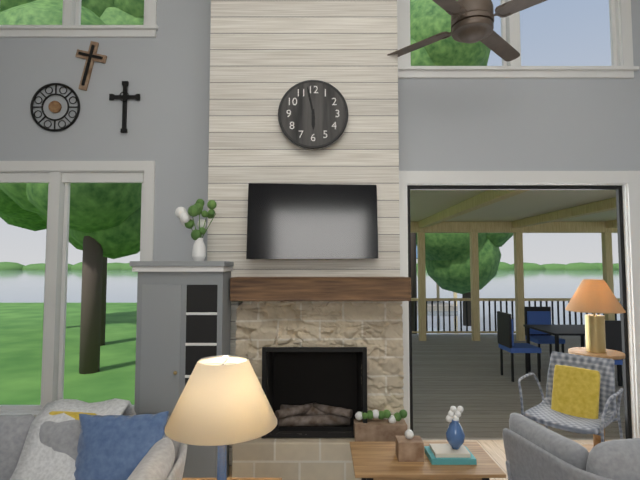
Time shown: **5:58**
